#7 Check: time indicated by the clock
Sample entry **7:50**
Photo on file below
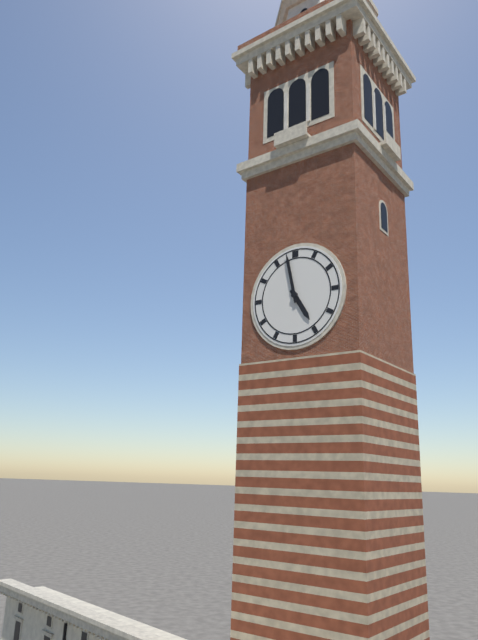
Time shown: **4:58**
